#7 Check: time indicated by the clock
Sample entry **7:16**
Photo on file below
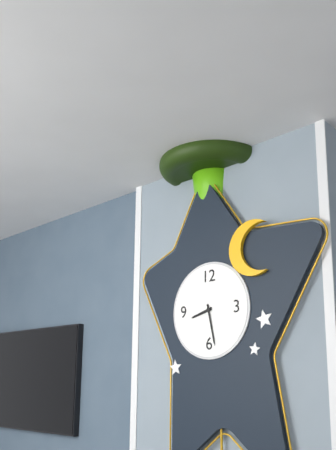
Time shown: **8:28**
